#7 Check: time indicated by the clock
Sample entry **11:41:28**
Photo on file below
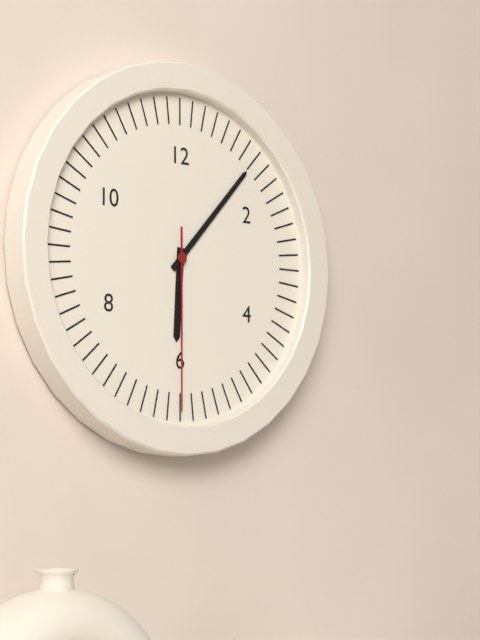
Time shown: **6:07:30**
